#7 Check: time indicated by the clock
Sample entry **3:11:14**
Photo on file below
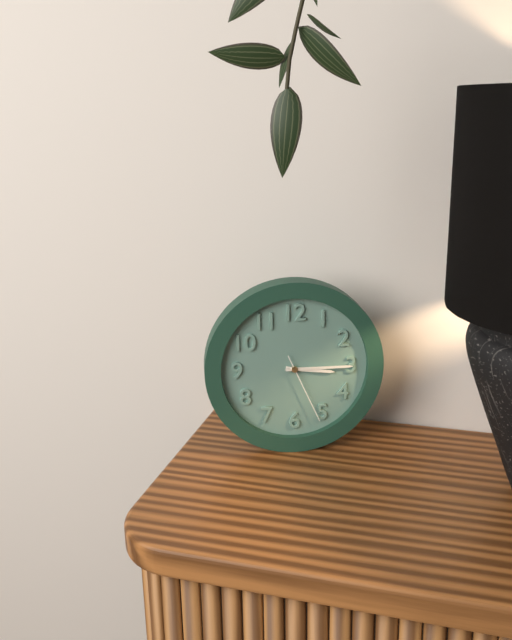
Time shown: **3:15:26**
